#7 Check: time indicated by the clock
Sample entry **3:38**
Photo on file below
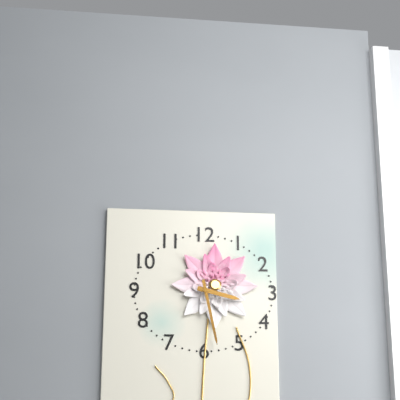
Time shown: **3:28**
